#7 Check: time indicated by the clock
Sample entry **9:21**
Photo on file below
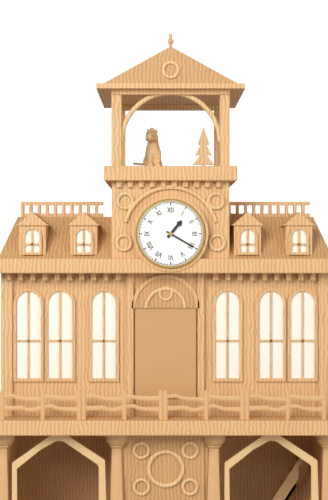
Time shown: **1:20**
